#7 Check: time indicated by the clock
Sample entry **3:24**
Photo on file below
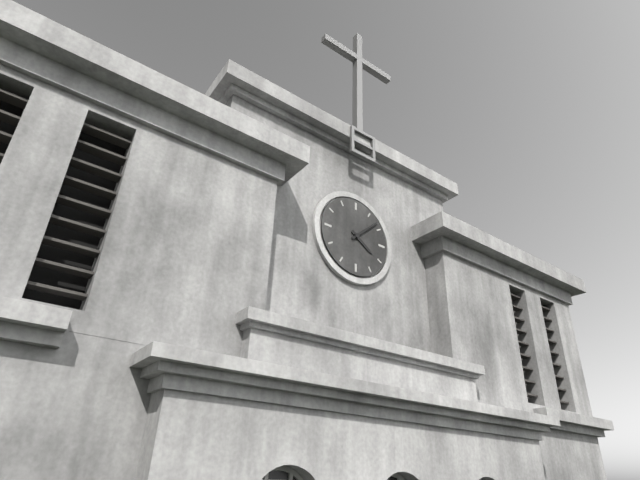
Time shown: **4:08**
